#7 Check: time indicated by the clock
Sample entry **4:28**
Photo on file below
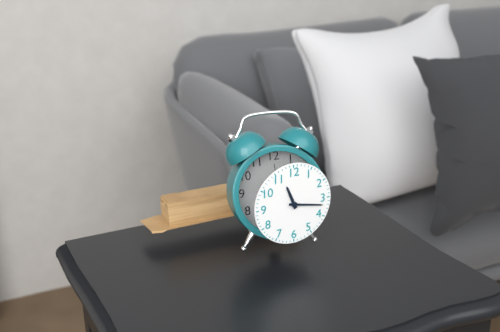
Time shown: **11:17**
